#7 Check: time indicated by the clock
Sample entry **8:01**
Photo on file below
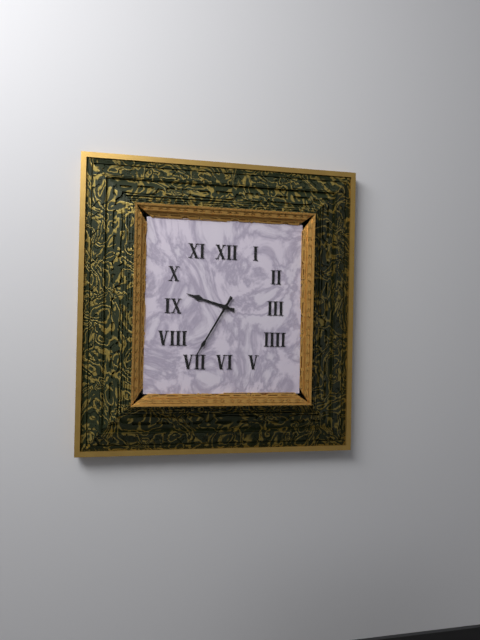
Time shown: **9:35**
